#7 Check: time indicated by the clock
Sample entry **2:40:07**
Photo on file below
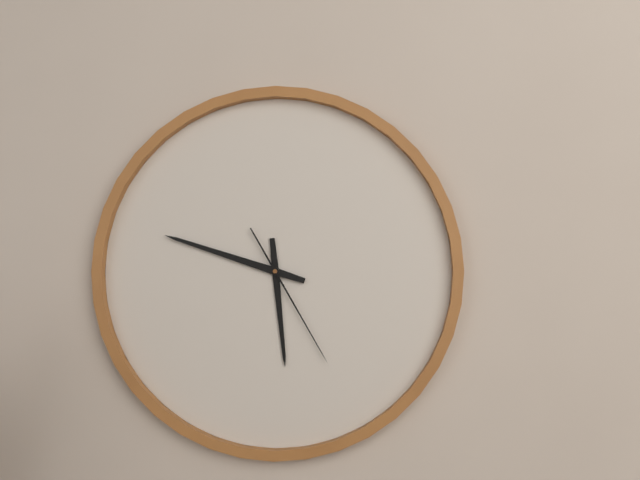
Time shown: **5:48:25**
